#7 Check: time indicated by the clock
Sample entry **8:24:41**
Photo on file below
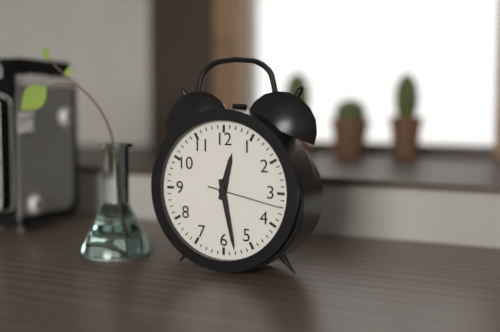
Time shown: **12:28:17**
